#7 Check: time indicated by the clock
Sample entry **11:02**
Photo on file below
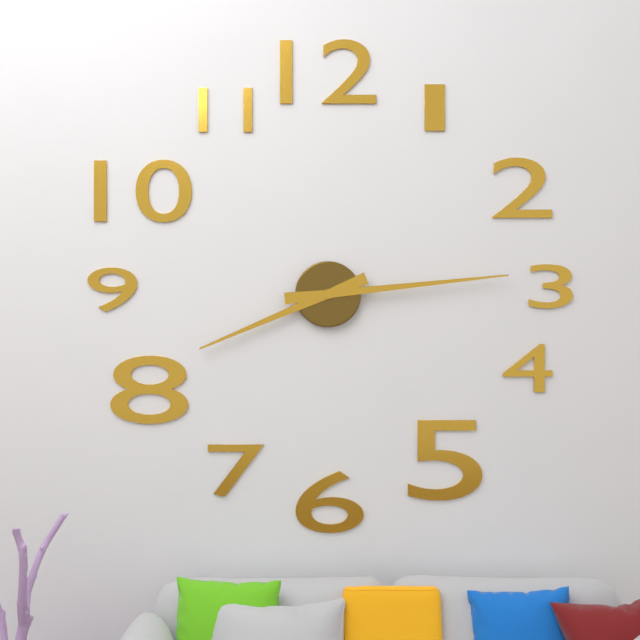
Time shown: **8:14**
